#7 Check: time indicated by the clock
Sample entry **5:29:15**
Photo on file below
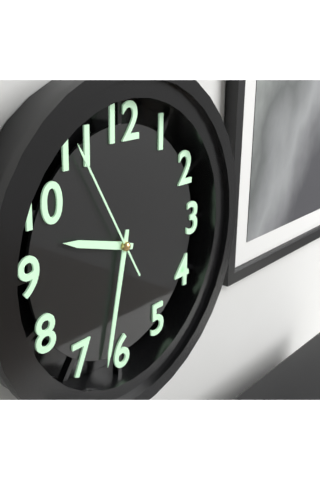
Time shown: **9:32:55**
